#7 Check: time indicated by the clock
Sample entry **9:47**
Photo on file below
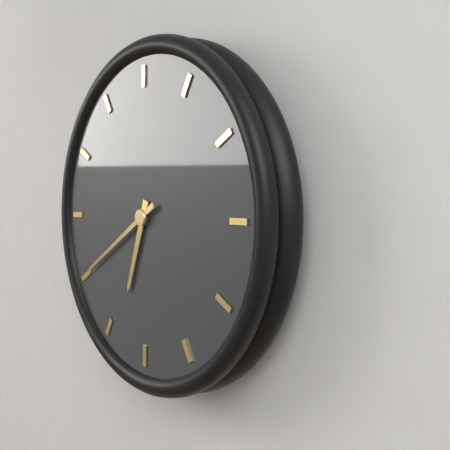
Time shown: **6:40**
